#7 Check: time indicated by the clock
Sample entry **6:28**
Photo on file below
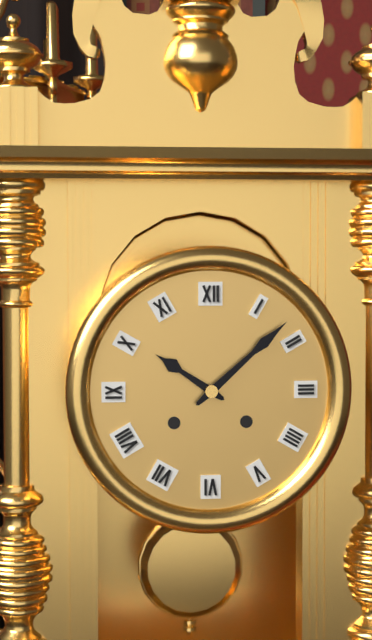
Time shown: **10:08**
